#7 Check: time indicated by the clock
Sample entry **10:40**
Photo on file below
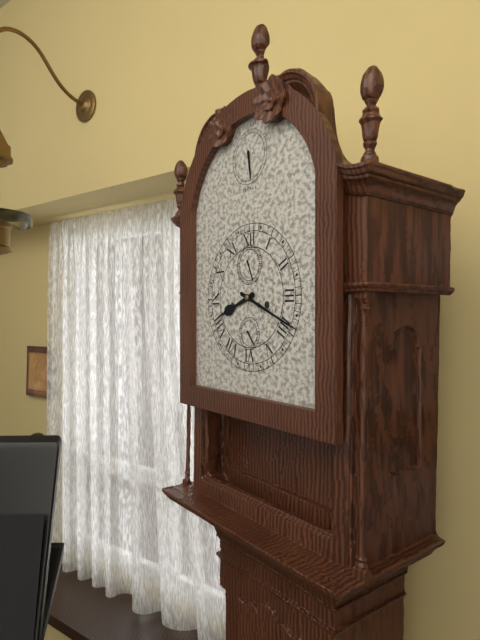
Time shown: **8:19**
